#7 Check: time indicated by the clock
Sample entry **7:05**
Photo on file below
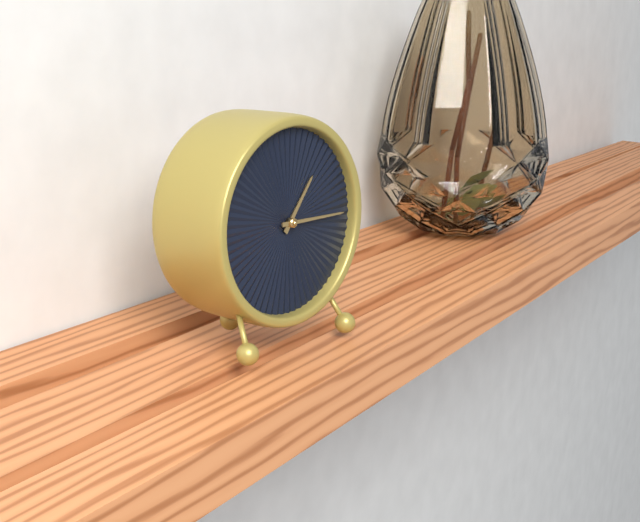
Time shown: **1:15**
